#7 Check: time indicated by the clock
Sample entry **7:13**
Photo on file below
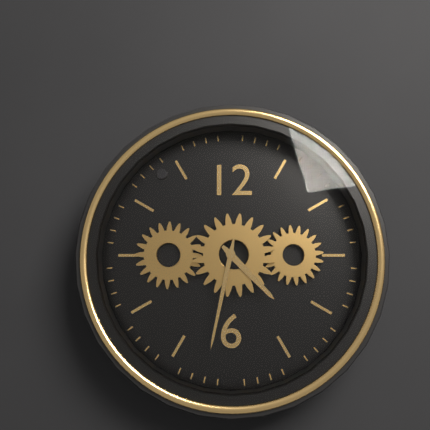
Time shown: **4:32**
